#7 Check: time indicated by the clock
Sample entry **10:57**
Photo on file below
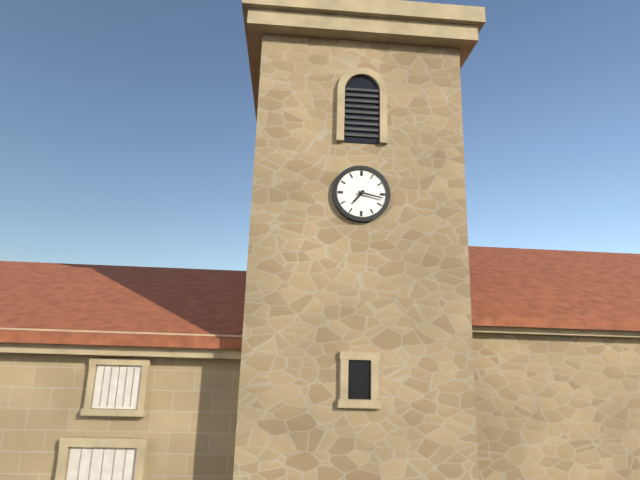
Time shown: **7:17**
